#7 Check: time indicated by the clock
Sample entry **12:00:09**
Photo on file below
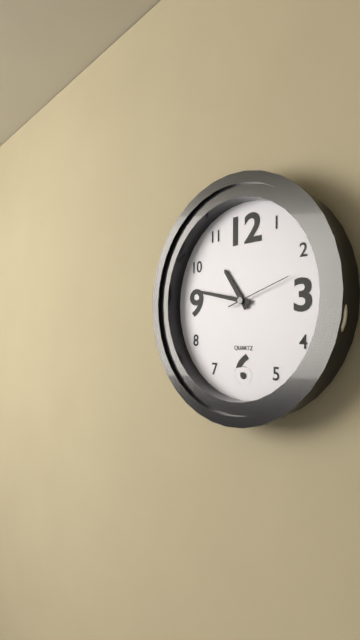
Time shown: **10:47:12**
